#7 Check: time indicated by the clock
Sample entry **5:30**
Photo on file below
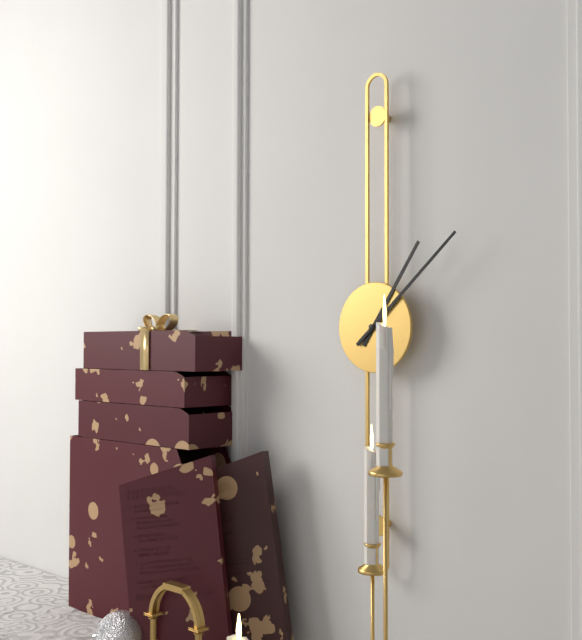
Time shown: **1:08**
